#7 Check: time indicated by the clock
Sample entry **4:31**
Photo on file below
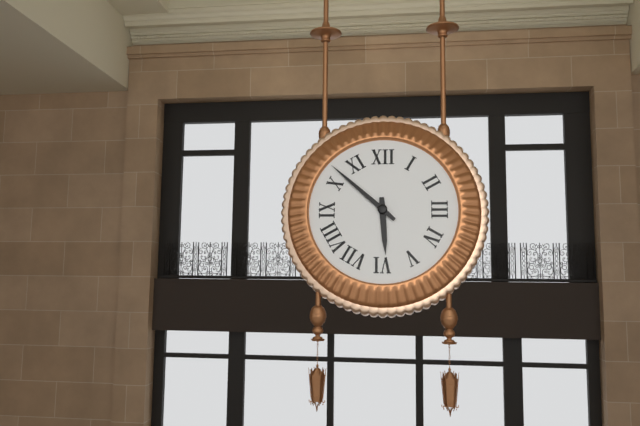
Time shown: **5:52**
